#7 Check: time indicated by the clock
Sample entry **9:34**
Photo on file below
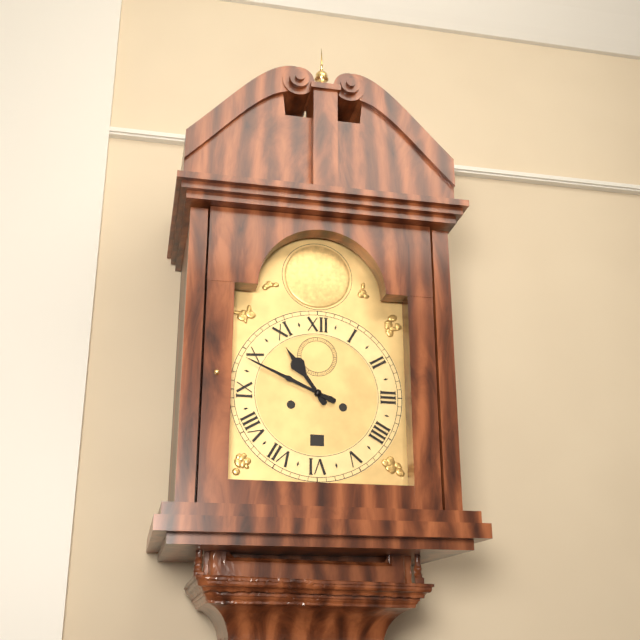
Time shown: **10:49**
